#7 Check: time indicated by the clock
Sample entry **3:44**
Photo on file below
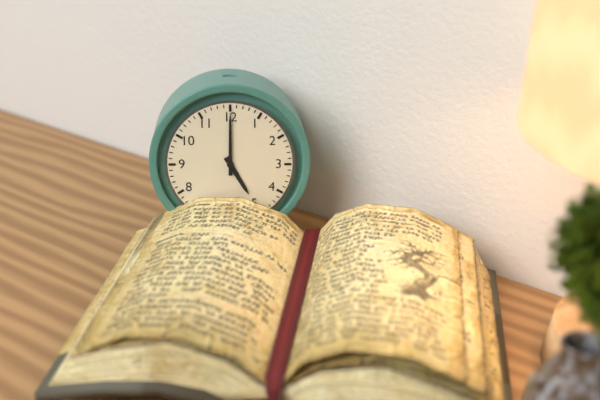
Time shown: **5:00**
